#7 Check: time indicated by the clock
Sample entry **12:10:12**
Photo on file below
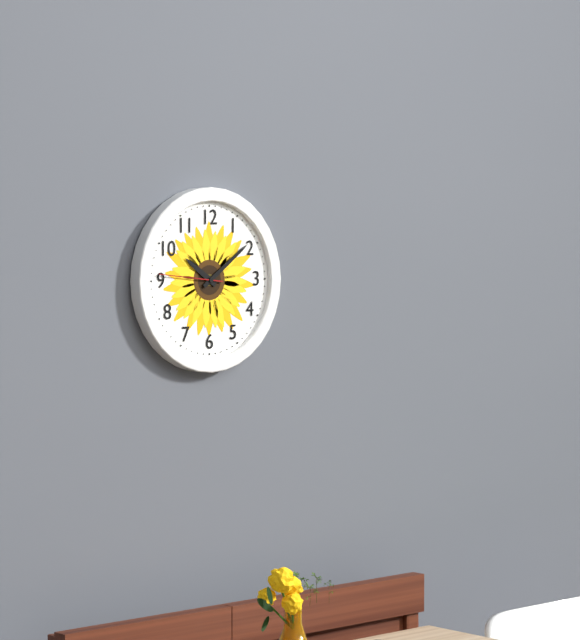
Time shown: **10:09:46**
